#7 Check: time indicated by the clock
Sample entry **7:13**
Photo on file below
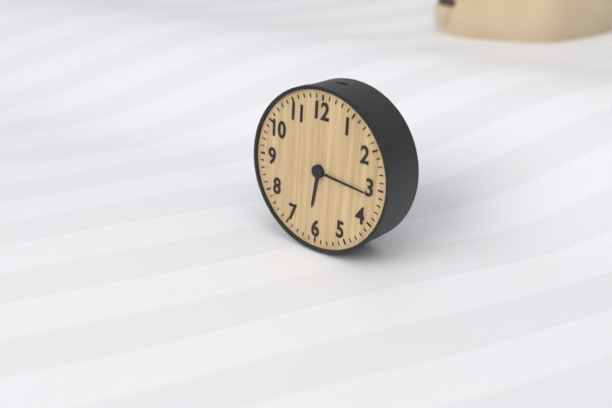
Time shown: **6:16**
